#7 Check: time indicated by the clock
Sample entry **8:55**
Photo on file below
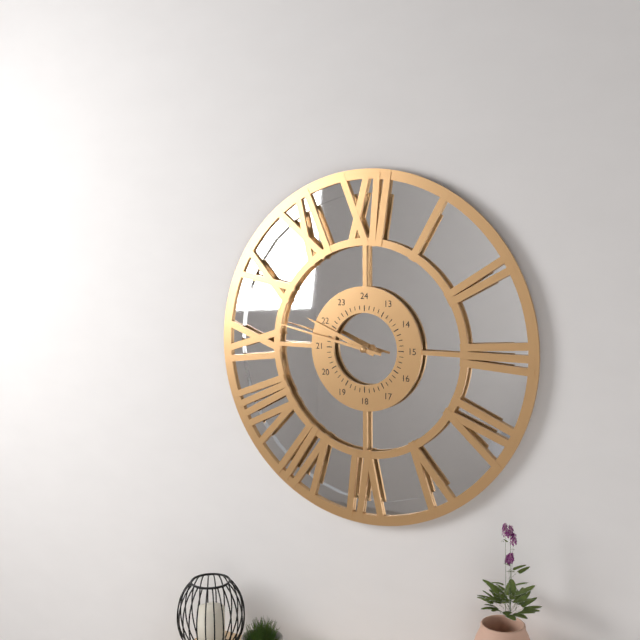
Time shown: **9:47**
